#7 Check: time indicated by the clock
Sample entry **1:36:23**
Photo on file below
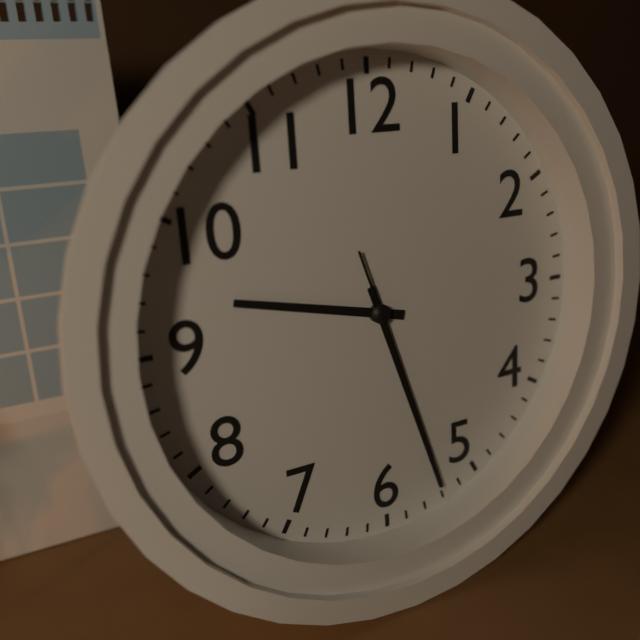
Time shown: **9:27:27**
